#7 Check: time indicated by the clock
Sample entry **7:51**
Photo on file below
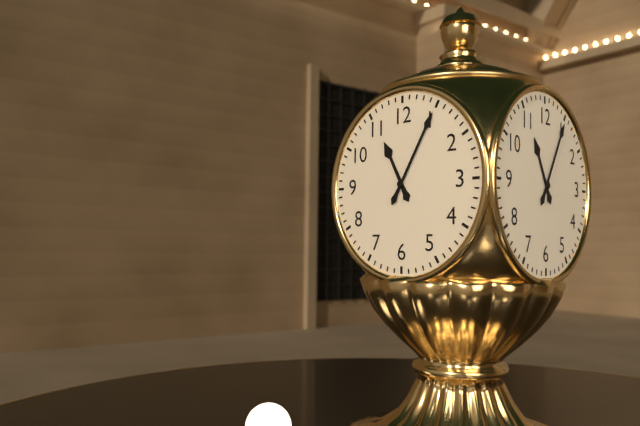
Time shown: **11:05**
